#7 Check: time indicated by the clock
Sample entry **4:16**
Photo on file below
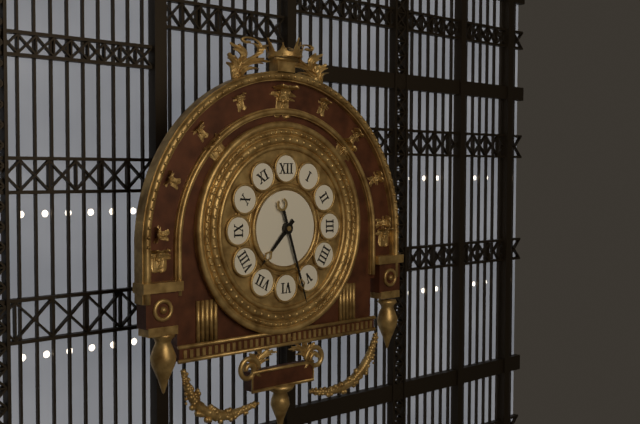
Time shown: **7:27**
